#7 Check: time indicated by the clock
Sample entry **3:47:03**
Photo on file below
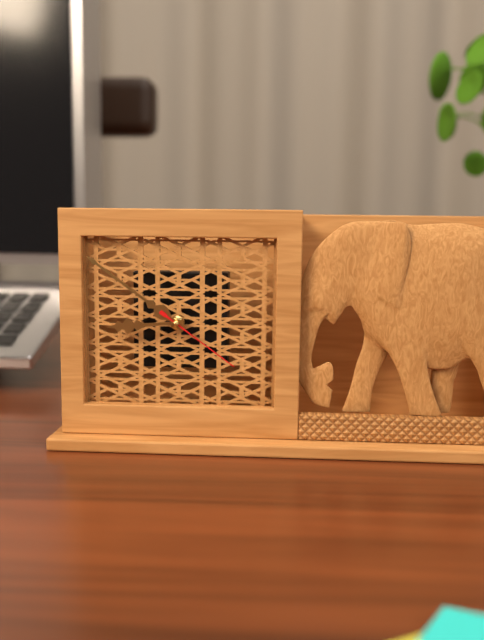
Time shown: **8:51:21**
